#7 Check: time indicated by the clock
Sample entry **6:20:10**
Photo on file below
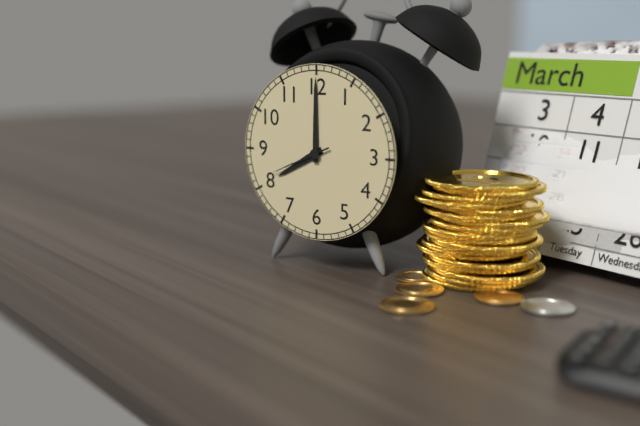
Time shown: **8:00:41**
